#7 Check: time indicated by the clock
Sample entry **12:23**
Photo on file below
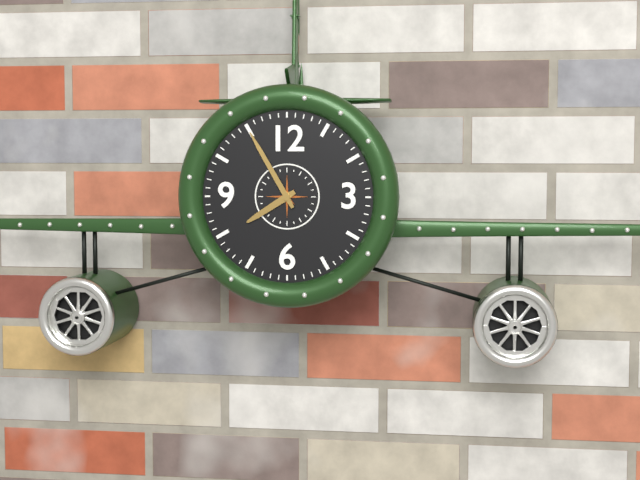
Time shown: **7:55**
